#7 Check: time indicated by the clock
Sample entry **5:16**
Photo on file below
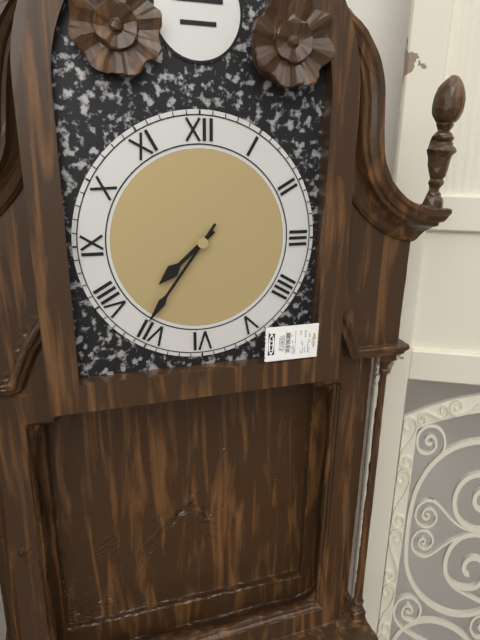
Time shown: **7:36**
